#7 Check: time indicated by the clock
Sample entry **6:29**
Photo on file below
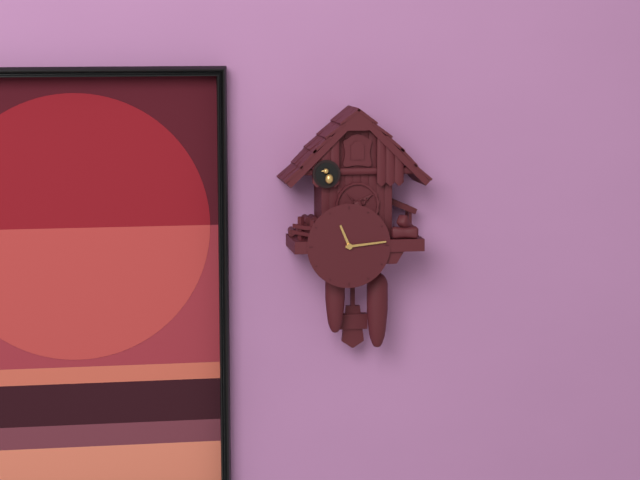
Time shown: **11:14**
